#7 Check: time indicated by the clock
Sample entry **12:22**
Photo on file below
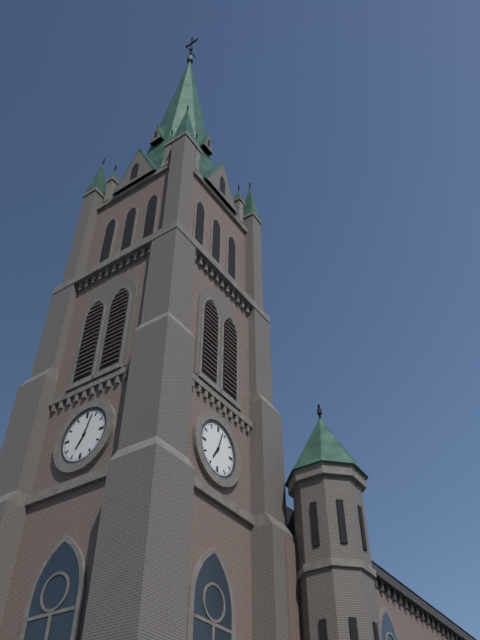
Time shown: **7:03**
